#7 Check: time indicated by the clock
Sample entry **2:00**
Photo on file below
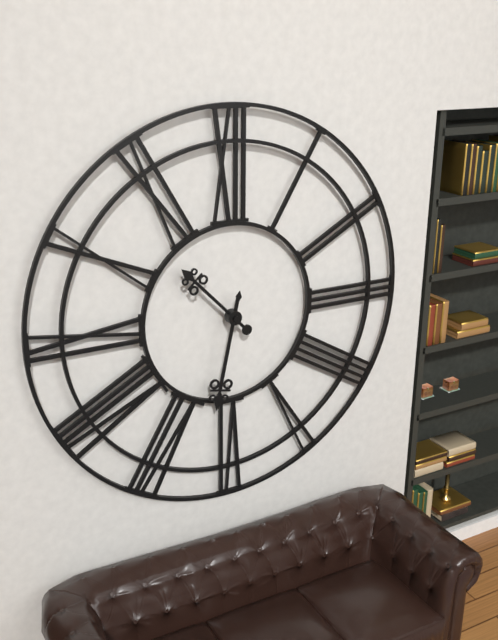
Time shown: **10:32**
